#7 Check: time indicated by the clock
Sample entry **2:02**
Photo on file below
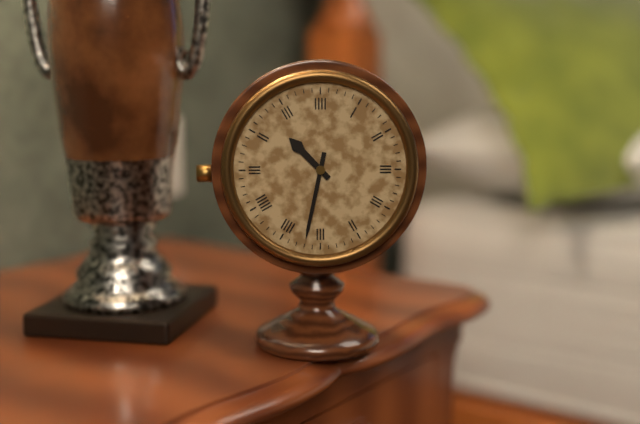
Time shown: **10:32**
